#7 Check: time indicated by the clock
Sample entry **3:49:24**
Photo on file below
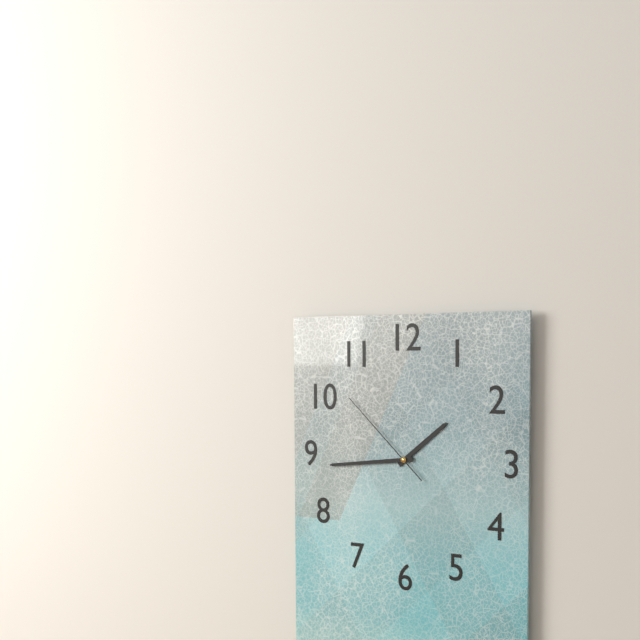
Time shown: **1:44:52**
